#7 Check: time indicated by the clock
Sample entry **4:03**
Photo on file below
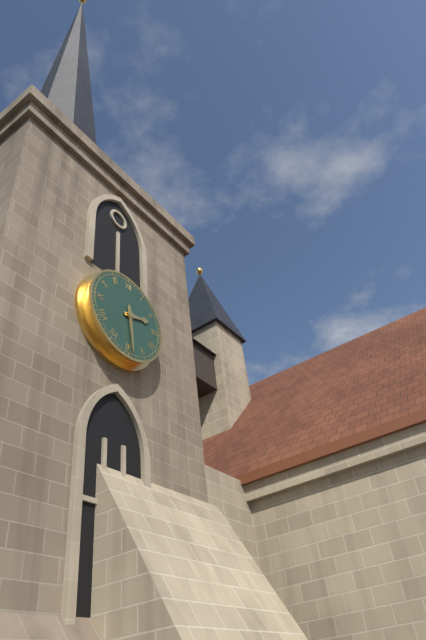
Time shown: **2:29**
